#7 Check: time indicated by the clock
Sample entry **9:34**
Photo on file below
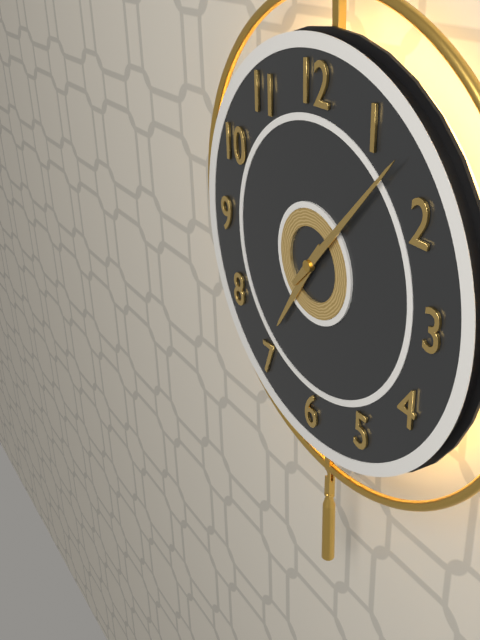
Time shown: **7:07**
